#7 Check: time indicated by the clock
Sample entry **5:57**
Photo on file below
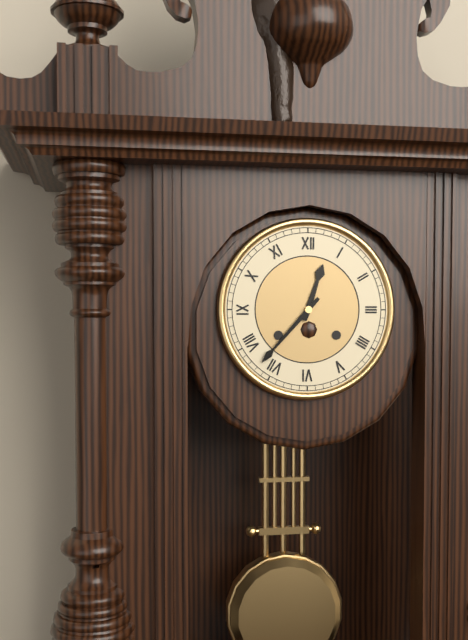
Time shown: **12:37**
